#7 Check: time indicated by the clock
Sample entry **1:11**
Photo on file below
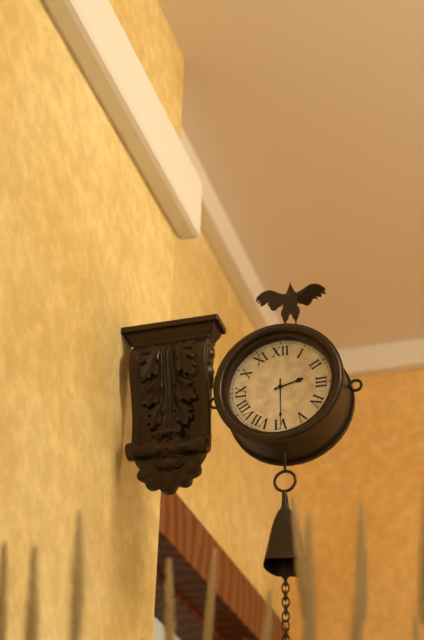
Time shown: **2:30**
